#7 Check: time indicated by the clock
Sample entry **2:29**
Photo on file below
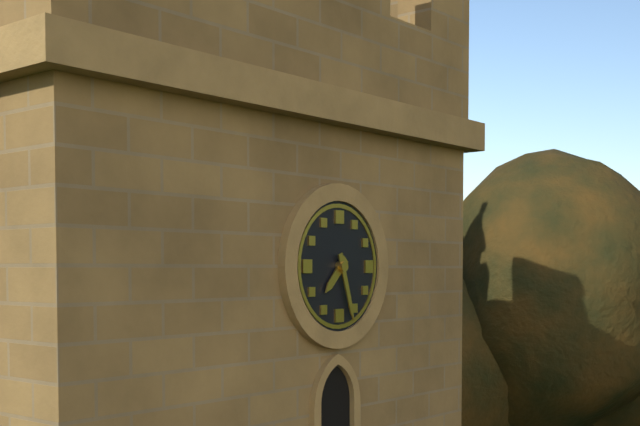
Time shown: **7:27**
